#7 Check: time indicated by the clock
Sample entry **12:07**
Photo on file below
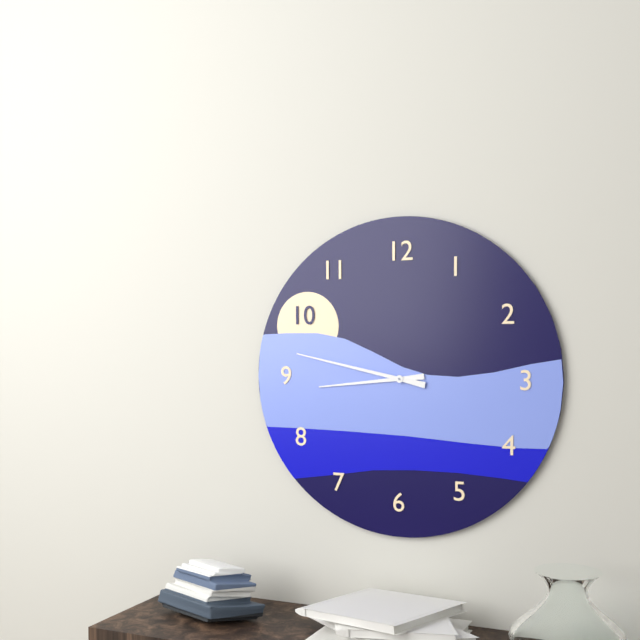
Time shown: **8:47**
